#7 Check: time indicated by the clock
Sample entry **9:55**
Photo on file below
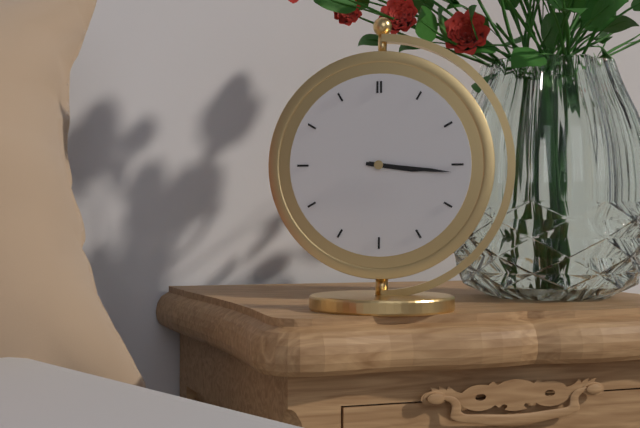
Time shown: **3:16**
